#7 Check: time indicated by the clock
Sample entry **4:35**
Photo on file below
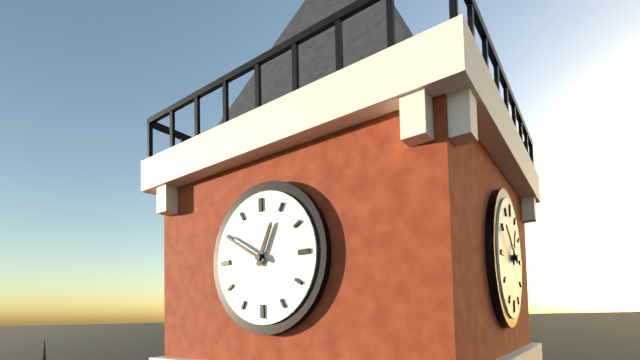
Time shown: **12:50**
